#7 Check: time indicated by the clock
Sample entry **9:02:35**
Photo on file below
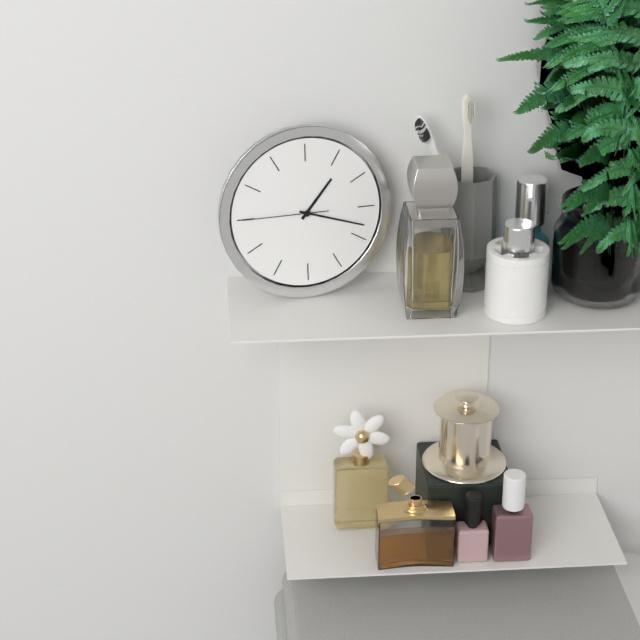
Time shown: **1:18:45**
